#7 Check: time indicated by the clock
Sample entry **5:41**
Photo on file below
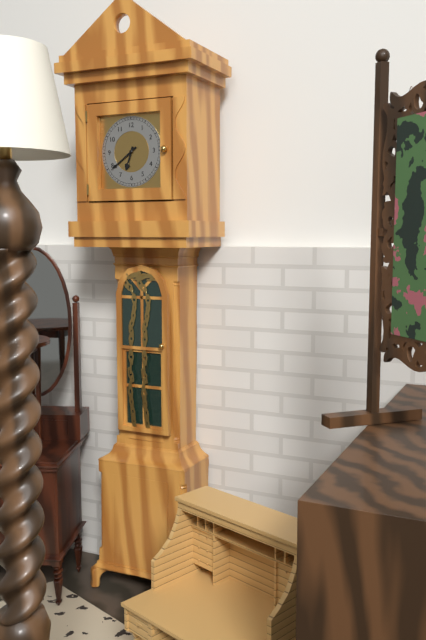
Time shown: **6:39**
